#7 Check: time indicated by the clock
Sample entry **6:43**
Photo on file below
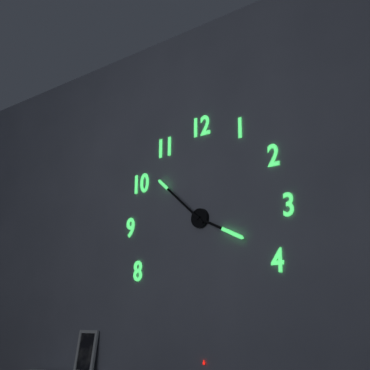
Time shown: **3:52**
